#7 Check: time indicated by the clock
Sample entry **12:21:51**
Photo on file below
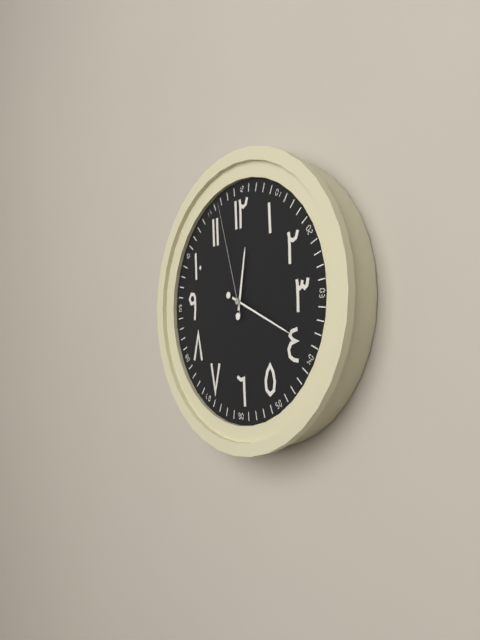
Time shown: **12:19:57**
